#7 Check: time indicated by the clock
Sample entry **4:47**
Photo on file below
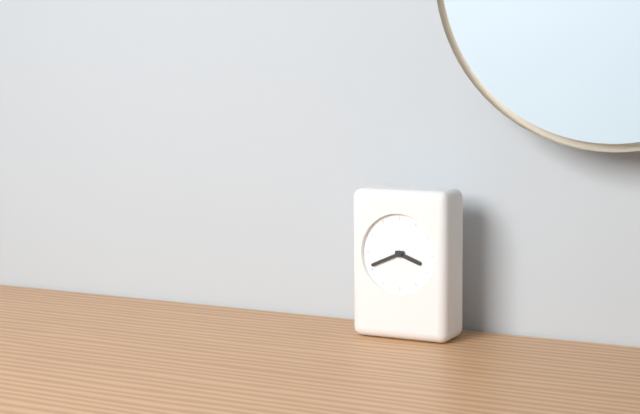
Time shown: **3:41**
